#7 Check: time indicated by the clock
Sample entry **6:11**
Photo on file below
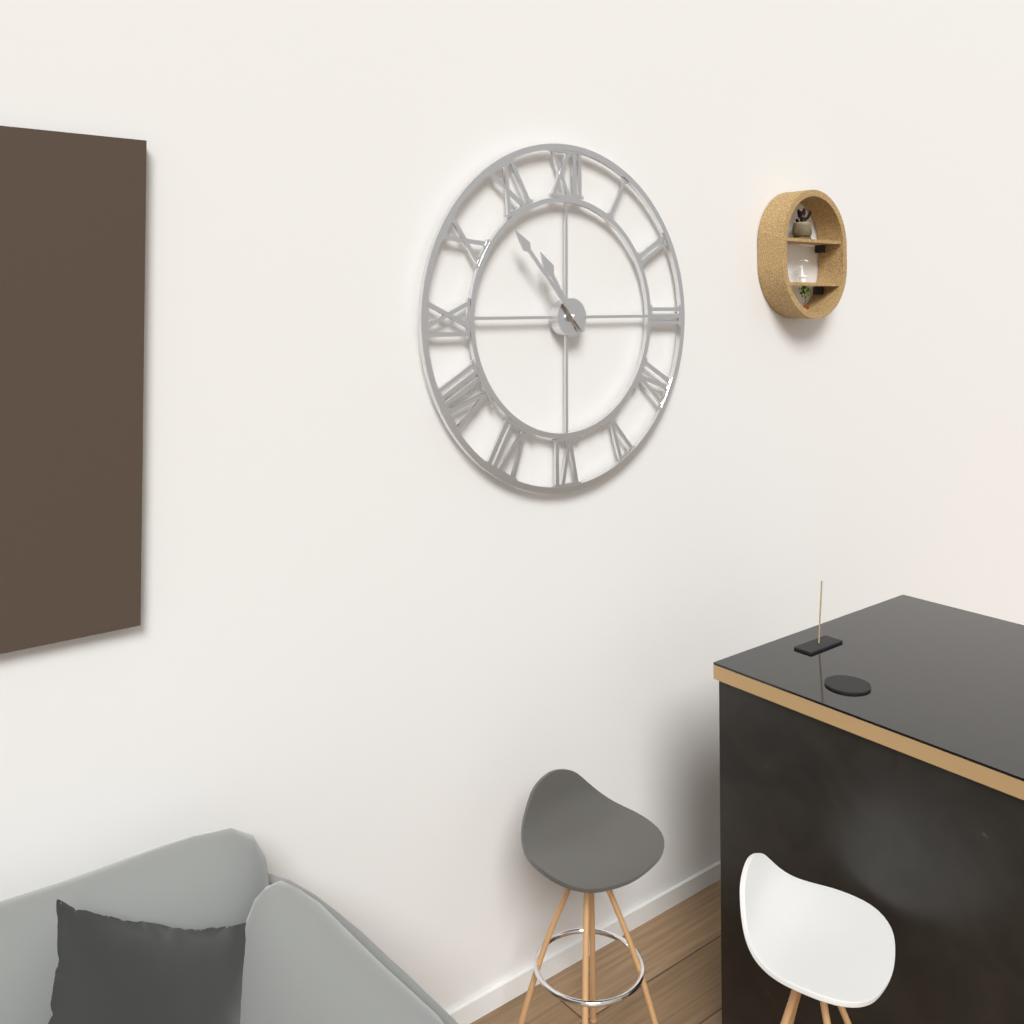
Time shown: **10:53**
